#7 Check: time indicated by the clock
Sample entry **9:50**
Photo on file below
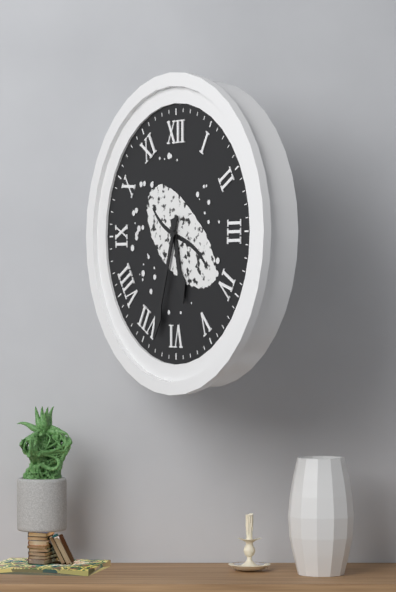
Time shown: **5:33**
